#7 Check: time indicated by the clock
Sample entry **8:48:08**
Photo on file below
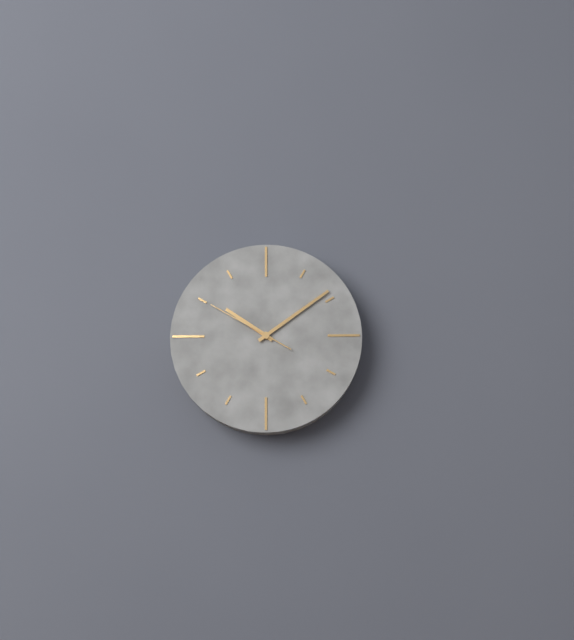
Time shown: **10:09:50**
